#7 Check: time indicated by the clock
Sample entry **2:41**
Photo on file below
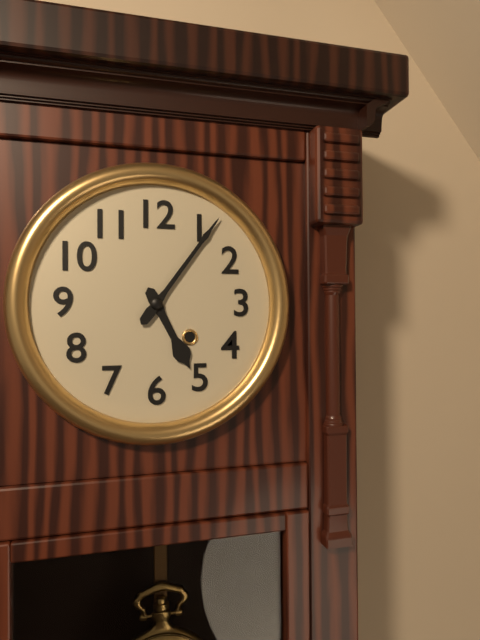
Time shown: **5:06**
